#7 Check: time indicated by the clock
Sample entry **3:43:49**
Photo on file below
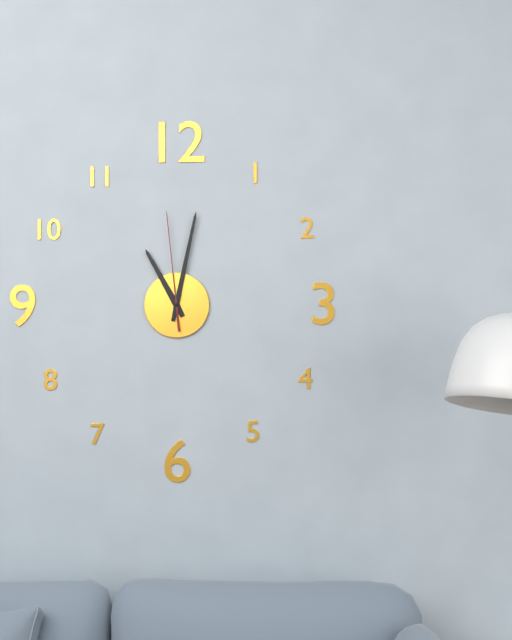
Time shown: **11:02:59**
